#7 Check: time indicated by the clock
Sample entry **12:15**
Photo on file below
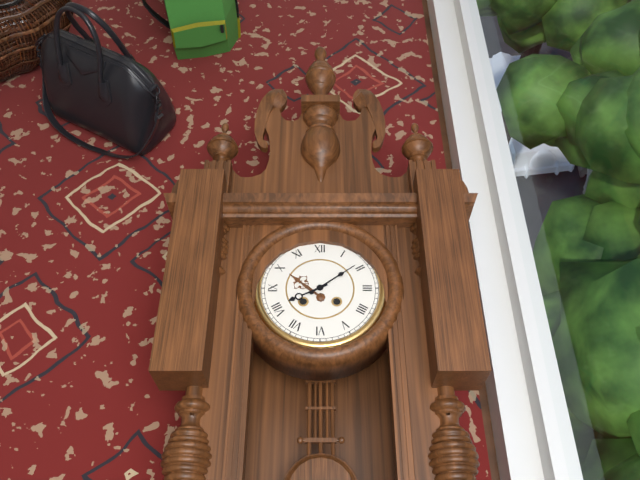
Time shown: **8:09**
